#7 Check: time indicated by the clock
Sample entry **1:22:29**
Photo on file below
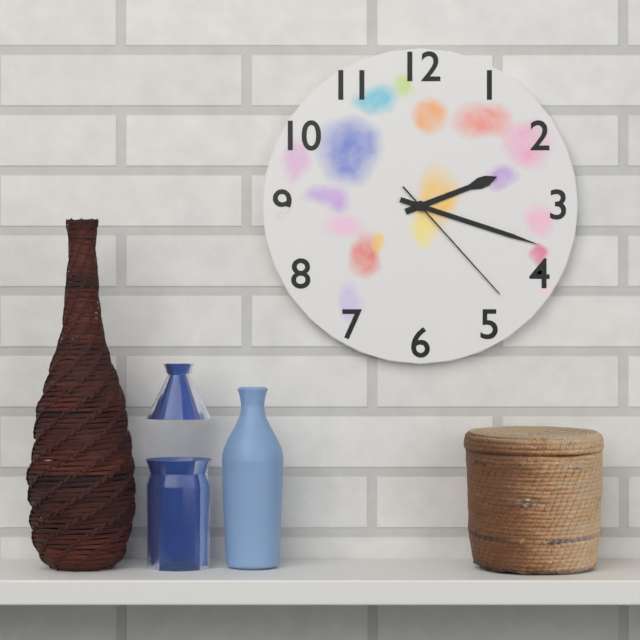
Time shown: **2:18:23**
